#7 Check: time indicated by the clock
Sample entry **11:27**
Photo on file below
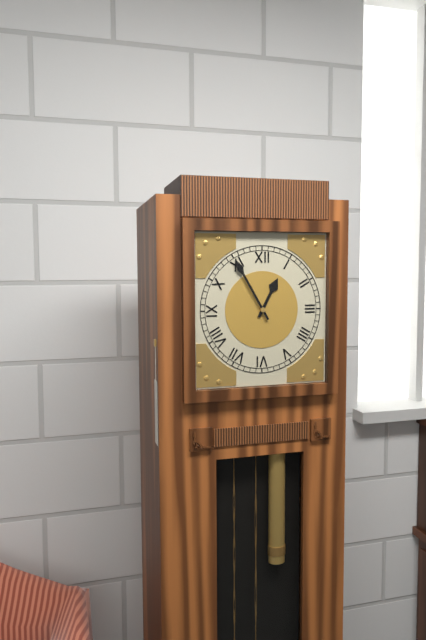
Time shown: **12:55**
